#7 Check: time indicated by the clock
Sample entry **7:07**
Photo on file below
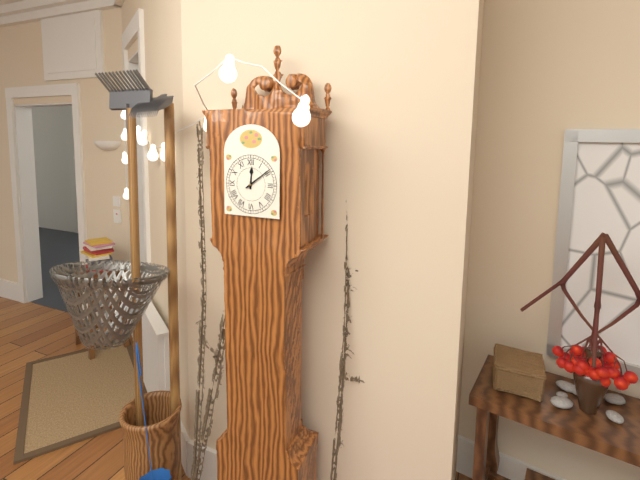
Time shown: **12:09**
